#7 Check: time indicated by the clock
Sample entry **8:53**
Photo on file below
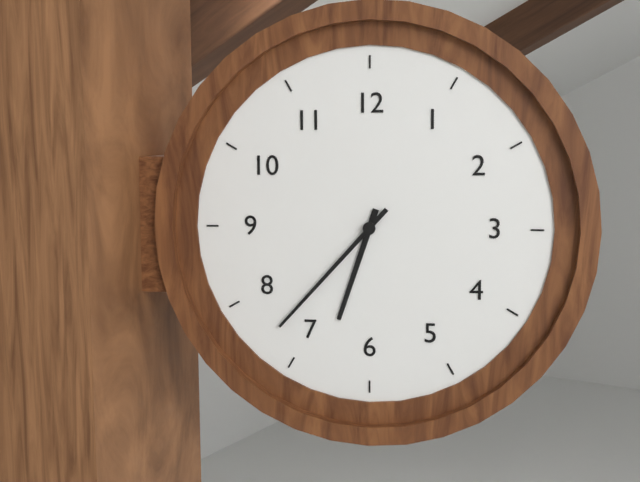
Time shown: **6:37**
